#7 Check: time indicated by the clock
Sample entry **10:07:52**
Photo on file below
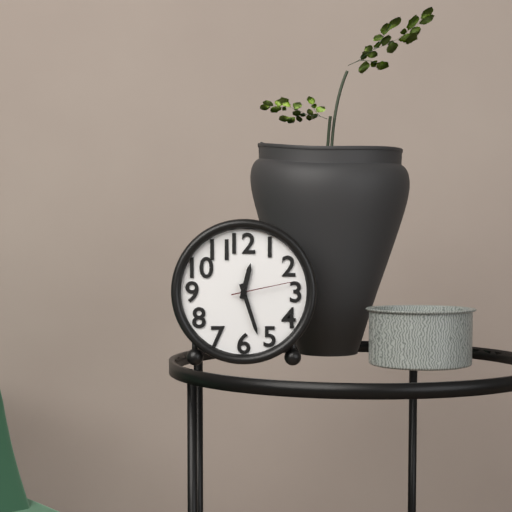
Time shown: **12:27:13**
